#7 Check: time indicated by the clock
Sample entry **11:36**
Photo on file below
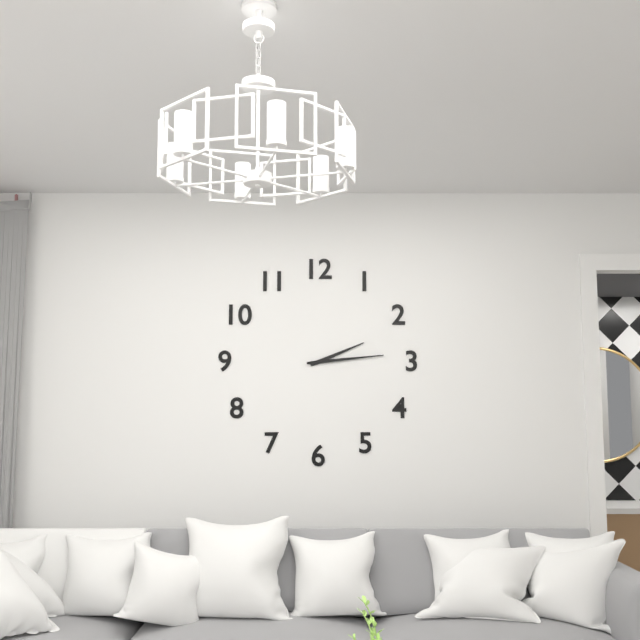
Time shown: **2:14**
